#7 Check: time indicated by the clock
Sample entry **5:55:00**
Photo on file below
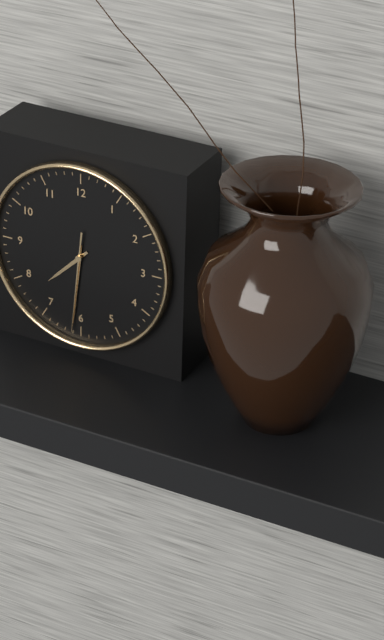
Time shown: **7:31:31**
